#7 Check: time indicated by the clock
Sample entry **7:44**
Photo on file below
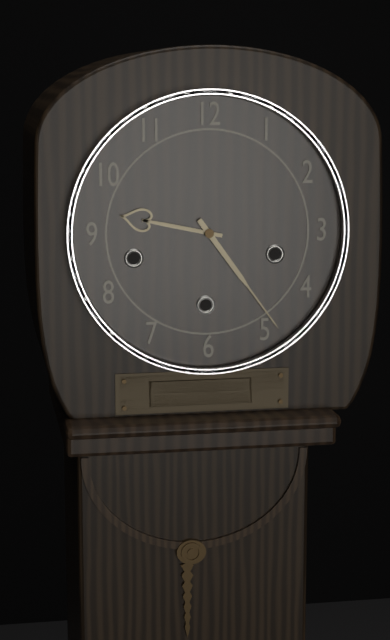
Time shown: **9:24**
